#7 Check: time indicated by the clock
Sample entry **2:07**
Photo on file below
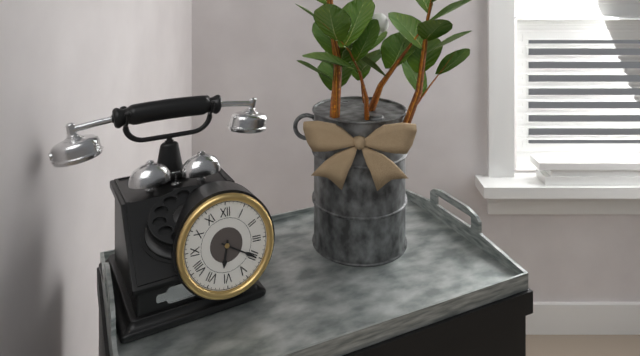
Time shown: **6:20**
